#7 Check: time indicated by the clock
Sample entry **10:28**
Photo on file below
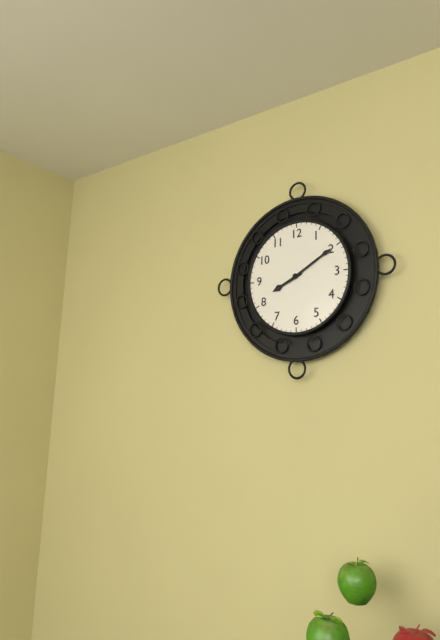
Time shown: **8:10**
